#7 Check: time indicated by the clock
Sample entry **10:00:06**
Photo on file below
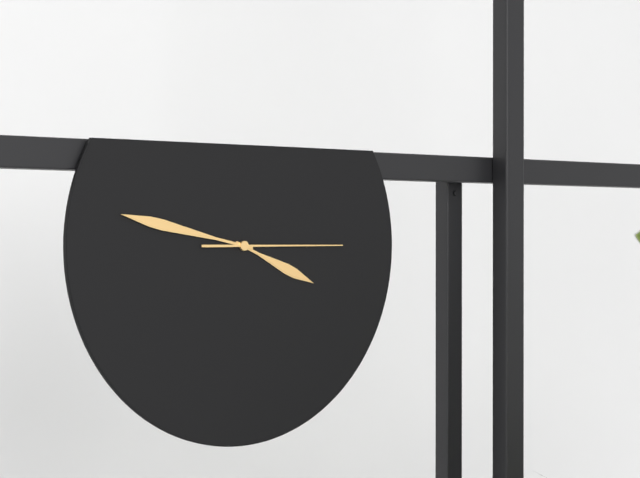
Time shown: **3:47:15**
